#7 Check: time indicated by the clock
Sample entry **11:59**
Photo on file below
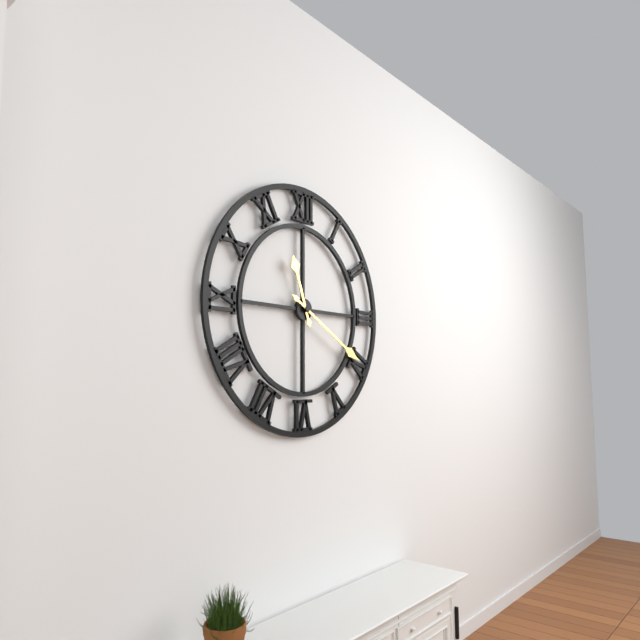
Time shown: **11:20**
